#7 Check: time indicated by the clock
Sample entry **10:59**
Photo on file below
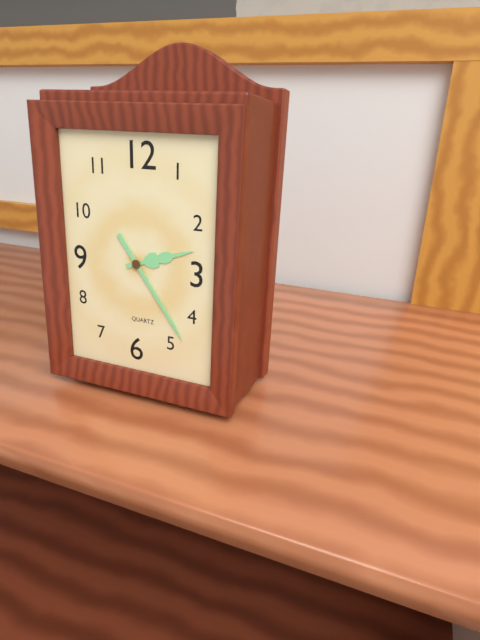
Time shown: **2:24**
